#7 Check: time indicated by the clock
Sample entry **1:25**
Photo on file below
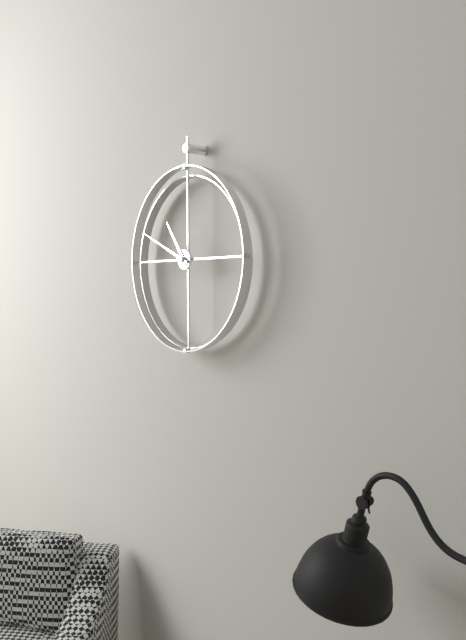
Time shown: **10:49**
